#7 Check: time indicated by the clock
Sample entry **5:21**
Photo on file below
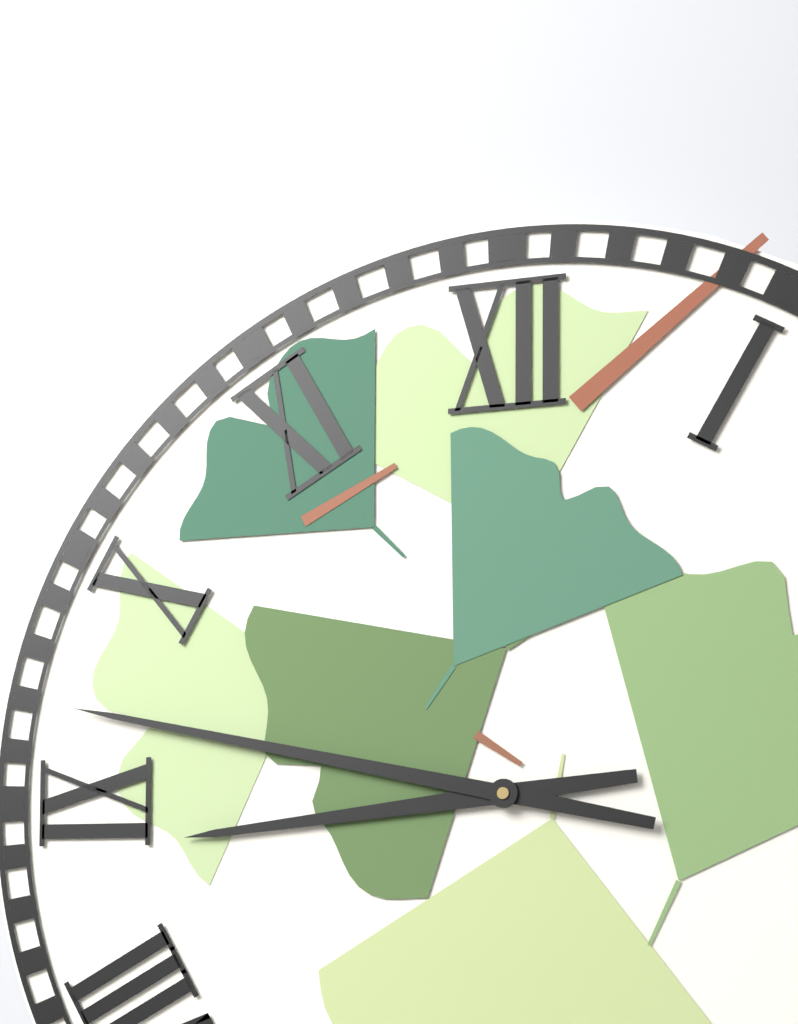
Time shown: **8:47**
